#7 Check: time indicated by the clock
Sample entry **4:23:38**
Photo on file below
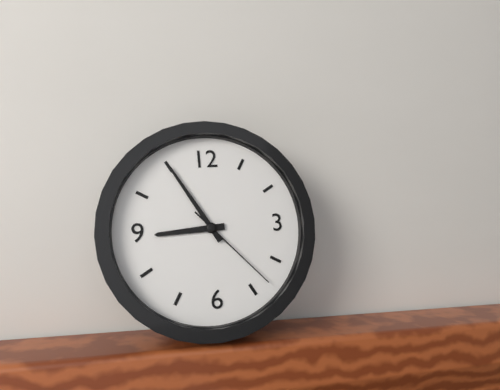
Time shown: **8:55:23**
